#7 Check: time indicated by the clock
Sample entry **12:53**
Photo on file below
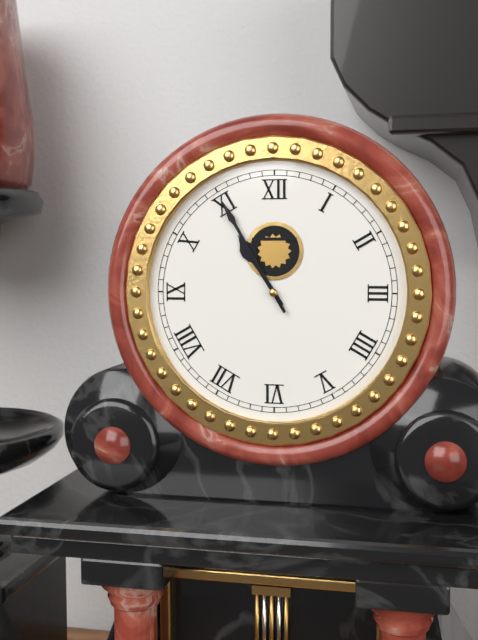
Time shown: **10:55**
